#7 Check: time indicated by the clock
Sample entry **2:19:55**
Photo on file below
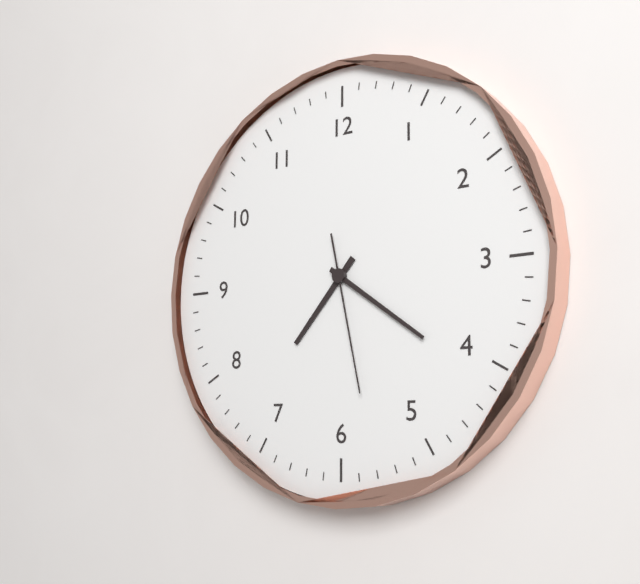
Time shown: **7:21:28**
